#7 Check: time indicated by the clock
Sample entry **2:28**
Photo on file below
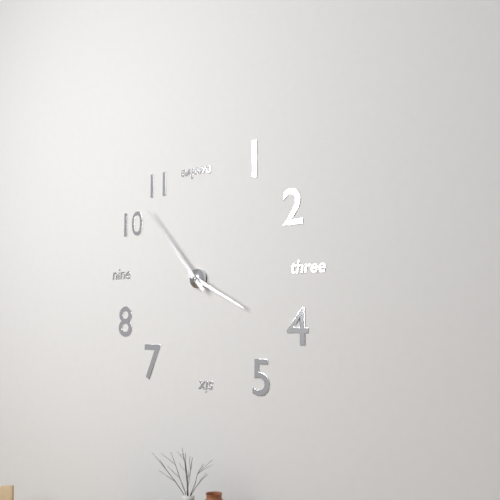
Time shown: **3:53**
